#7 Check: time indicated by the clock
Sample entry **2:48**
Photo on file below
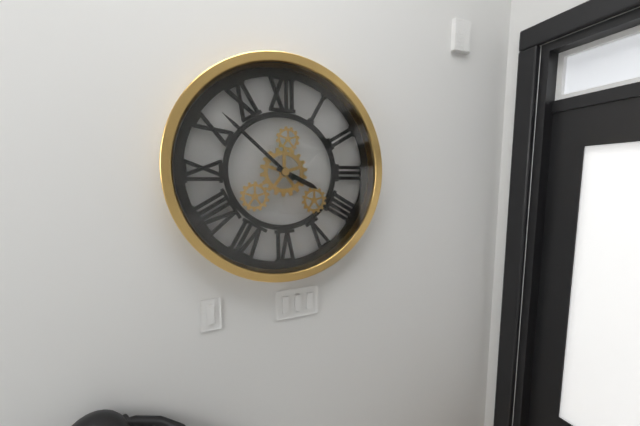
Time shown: **3:52**
